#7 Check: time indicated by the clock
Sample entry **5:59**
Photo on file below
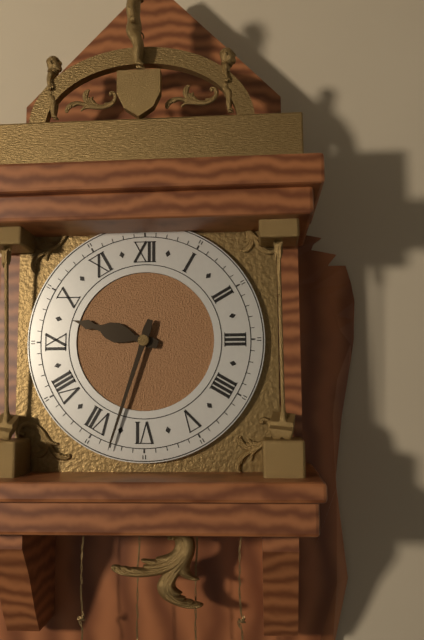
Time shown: **9:33**
